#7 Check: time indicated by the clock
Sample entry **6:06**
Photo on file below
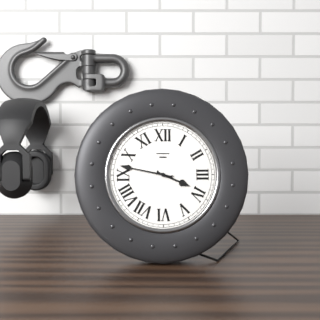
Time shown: **3:47**
